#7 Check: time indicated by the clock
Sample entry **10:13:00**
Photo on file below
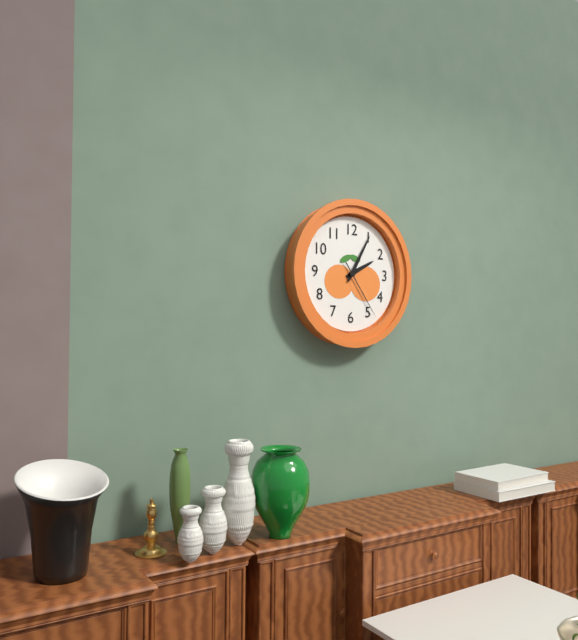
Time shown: **2:05:24**
